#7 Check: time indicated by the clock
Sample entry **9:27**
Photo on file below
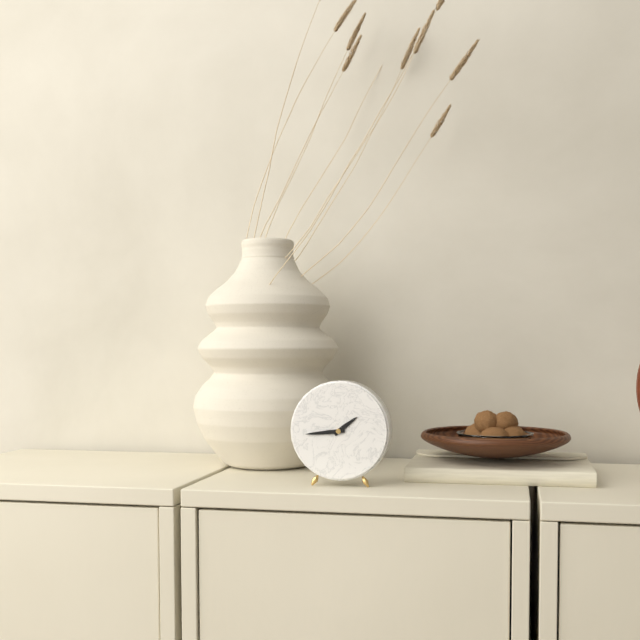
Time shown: **1:44**
